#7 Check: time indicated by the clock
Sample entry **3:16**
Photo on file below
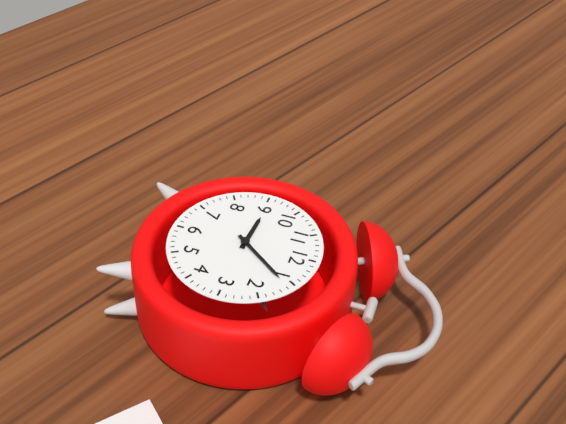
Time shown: **9:06**
